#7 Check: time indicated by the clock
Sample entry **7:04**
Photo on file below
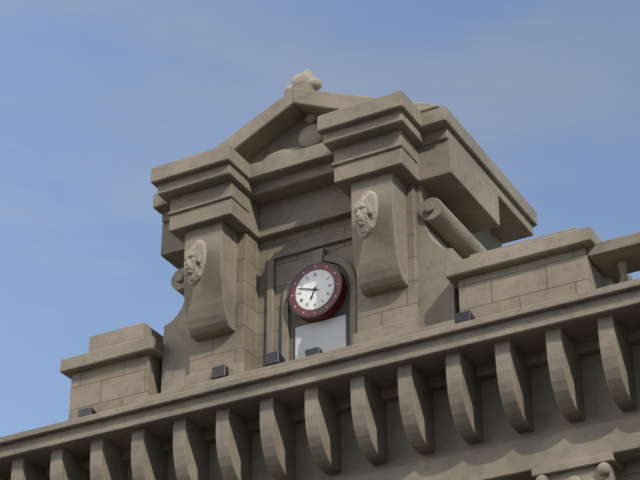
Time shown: **6:48**
